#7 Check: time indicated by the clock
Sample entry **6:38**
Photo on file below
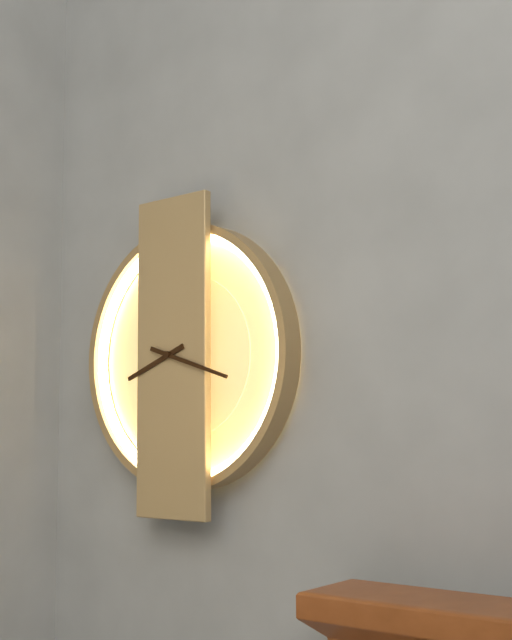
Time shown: **8:18**
